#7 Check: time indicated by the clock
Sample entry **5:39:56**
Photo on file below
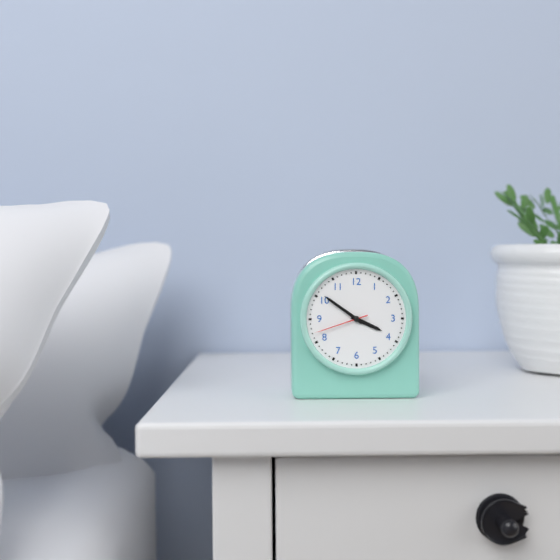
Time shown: **3:51:42**
